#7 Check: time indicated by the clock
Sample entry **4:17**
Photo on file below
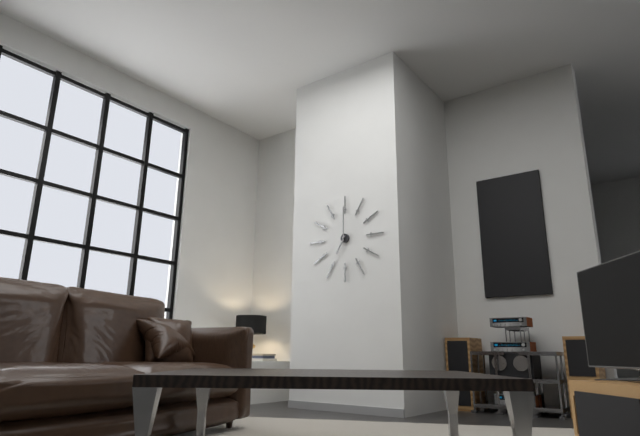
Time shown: **7:00**
